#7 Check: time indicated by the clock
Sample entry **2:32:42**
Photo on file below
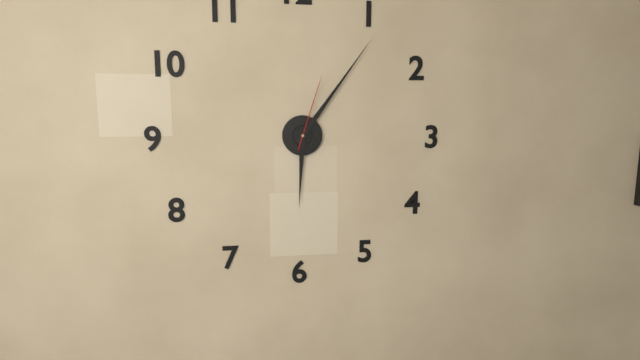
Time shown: **6:06:03**
